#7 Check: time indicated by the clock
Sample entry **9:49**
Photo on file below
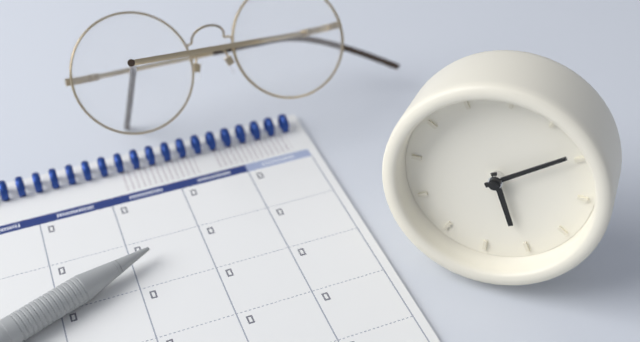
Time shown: **5:09**
